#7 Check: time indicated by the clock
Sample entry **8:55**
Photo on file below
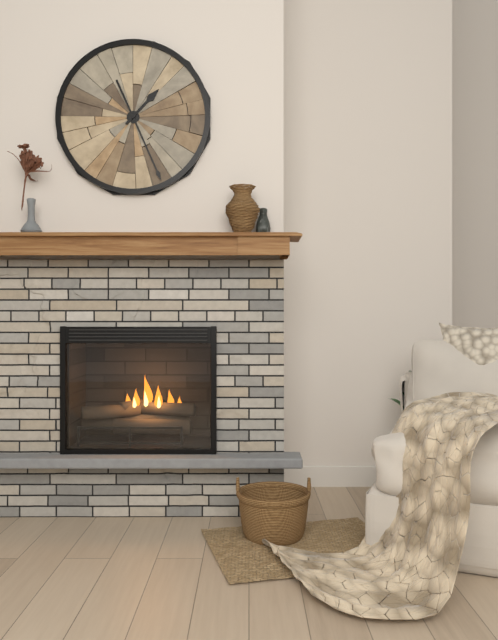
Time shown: **1:26**
